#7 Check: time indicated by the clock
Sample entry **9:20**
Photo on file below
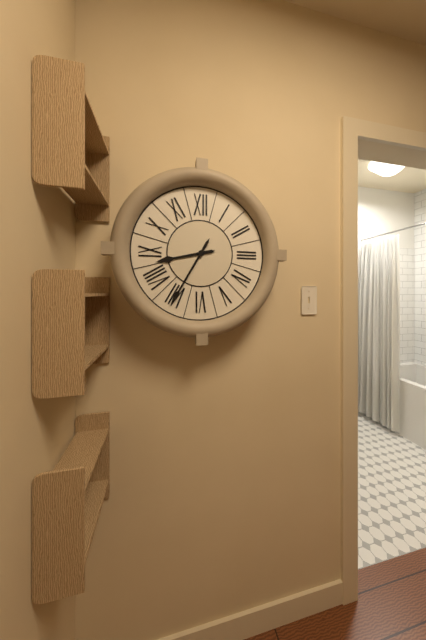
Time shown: **8:35**
